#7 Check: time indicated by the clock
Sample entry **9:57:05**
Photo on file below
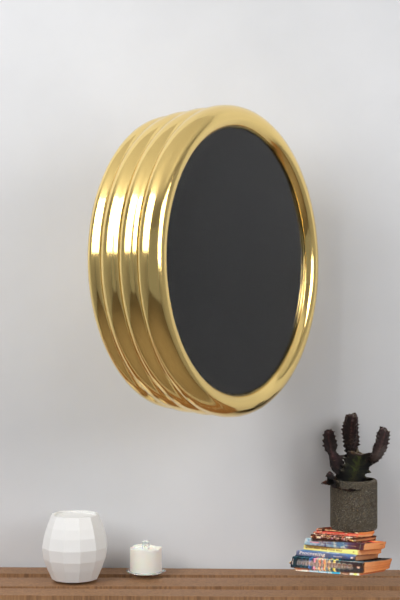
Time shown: **10:10:30**
